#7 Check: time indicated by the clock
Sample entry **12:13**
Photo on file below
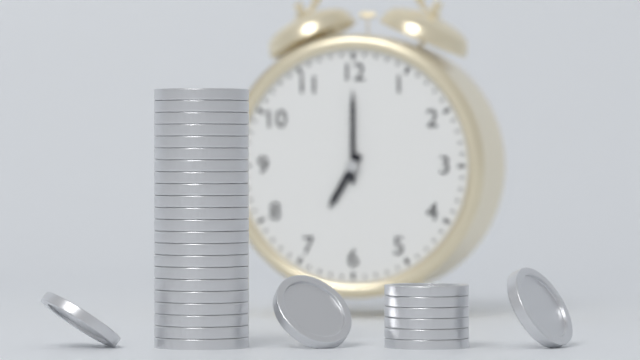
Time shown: **7:00**
